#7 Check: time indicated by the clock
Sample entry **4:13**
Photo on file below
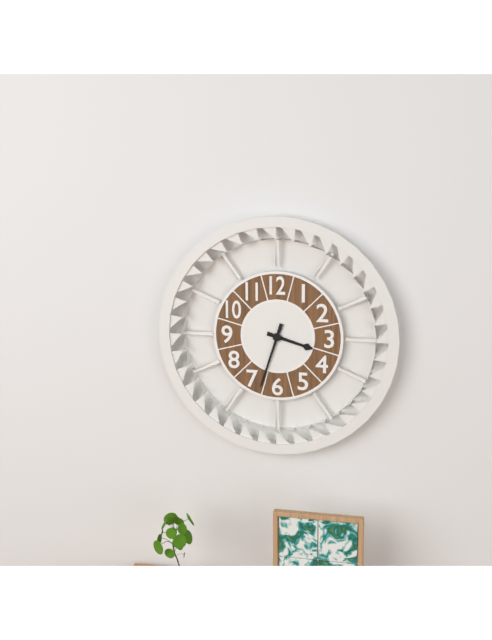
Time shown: **3:33**
